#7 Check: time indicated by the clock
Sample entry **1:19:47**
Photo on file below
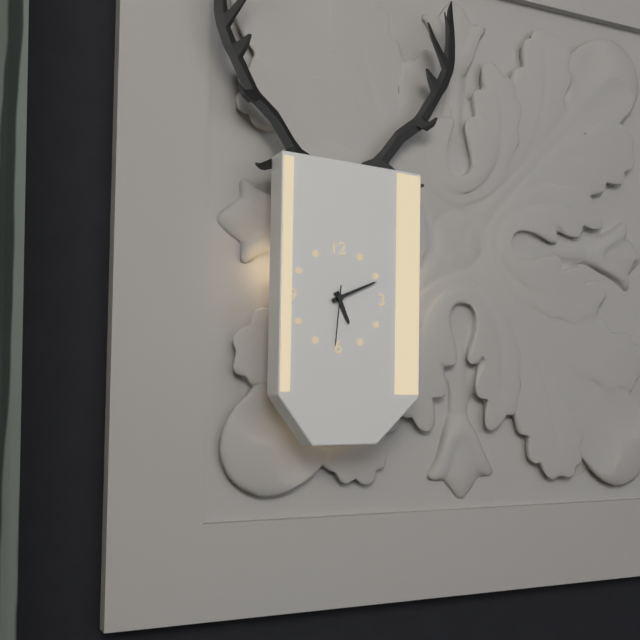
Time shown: **5:11:31**
